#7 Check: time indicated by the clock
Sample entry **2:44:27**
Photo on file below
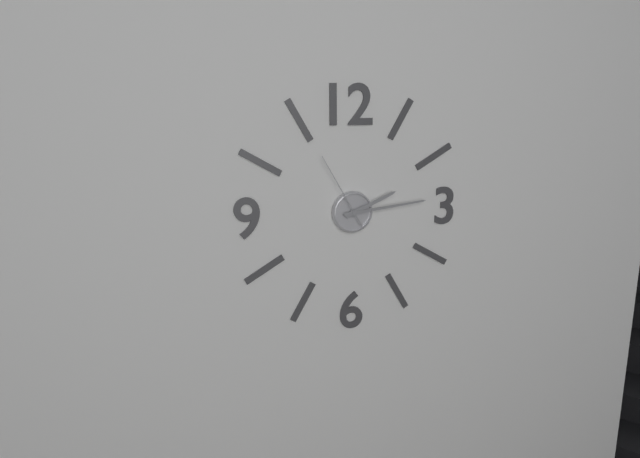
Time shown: **2:14:55**
